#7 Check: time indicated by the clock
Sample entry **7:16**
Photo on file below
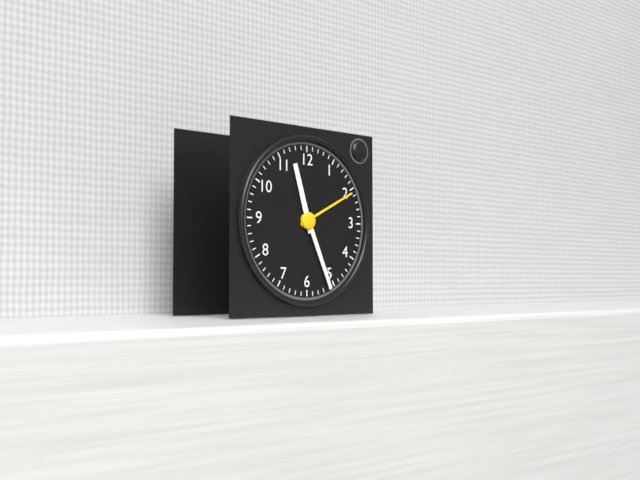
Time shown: **11:26**
